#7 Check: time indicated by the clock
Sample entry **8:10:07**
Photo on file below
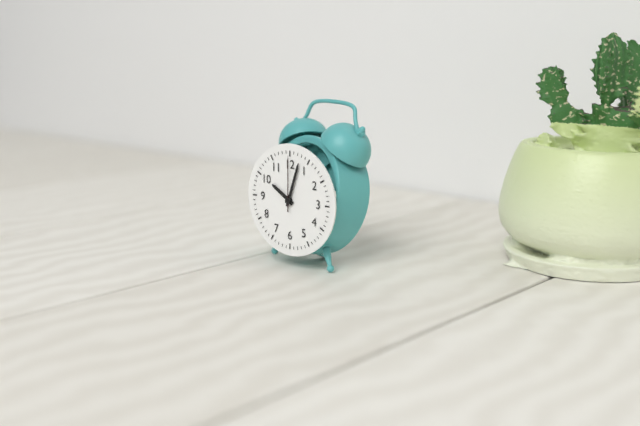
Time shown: **10:03:00**
